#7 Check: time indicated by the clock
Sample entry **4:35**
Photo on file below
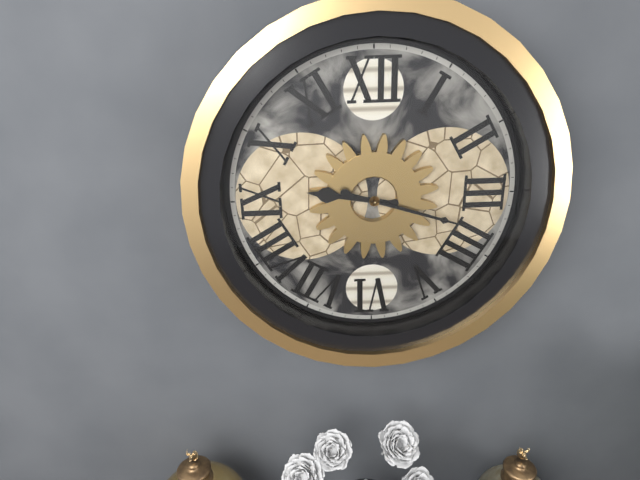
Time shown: **9:18**
